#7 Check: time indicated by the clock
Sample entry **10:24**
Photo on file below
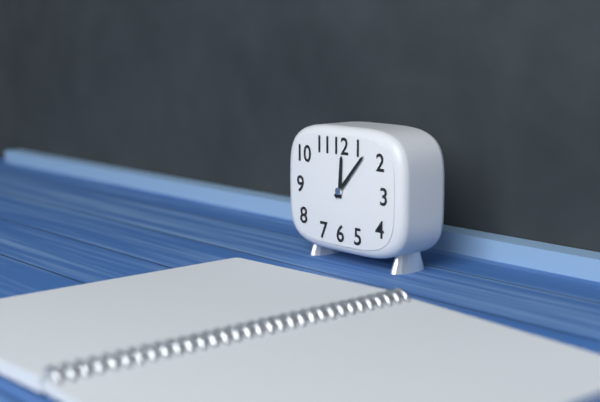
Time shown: **12:07**
